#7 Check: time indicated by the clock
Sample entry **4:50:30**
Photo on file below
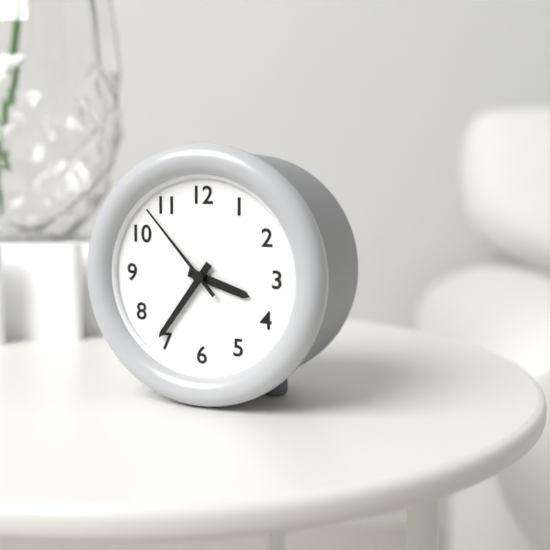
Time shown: **3:36:53**
